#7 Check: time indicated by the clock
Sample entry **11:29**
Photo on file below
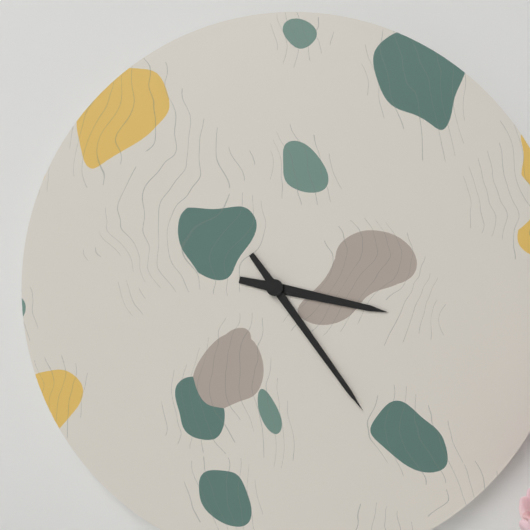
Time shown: **3:24**
